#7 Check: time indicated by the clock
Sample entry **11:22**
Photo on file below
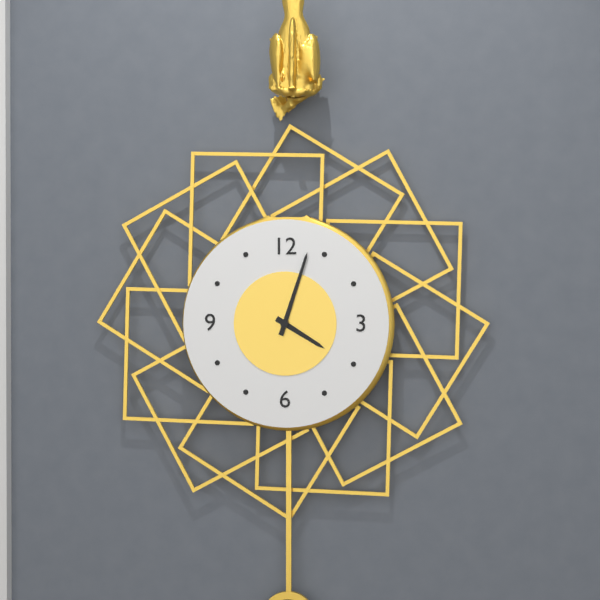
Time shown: **4:03**
